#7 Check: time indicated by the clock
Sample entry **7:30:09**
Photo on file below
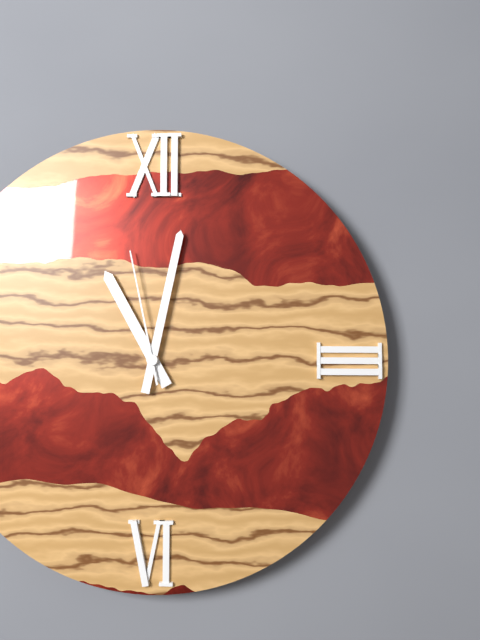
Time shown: **11:02:58**
